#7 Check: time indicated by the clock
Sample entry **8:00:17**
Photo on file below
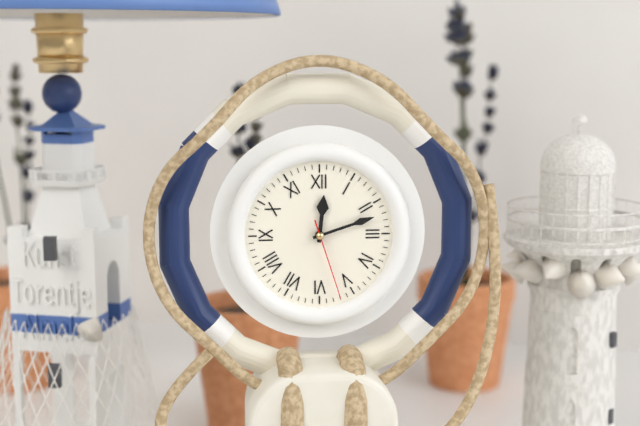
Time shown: **12:12:27**
